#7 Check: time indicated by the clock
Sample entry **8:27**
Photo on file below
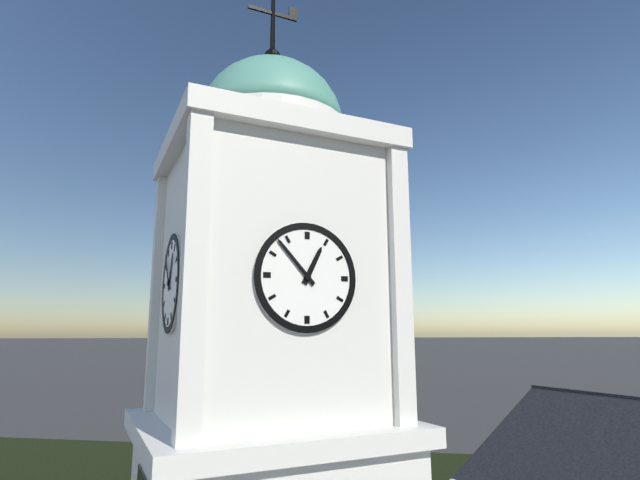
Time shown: **12:53**
